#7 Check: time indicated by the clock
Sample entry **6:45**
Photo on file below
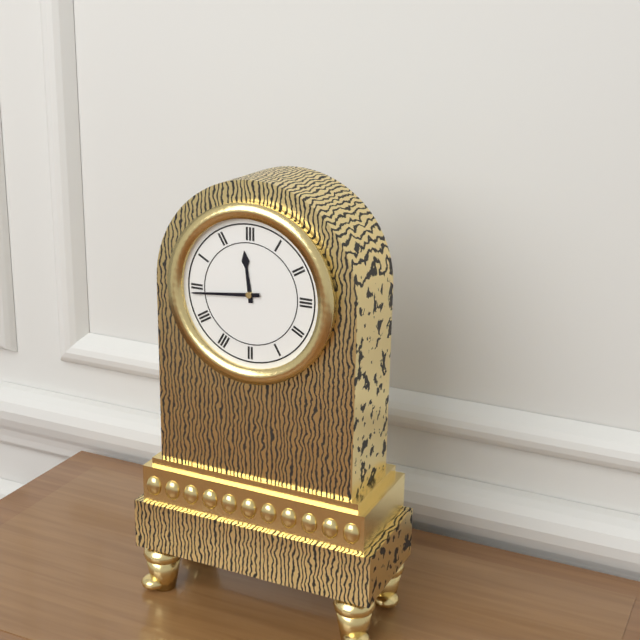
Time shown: **11:44**
